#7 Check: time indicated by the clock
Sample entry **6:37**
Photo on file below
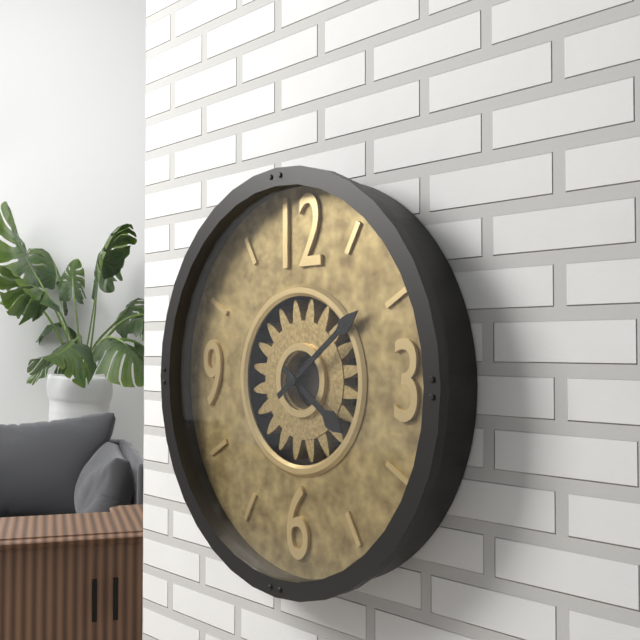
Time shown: **4:09**
